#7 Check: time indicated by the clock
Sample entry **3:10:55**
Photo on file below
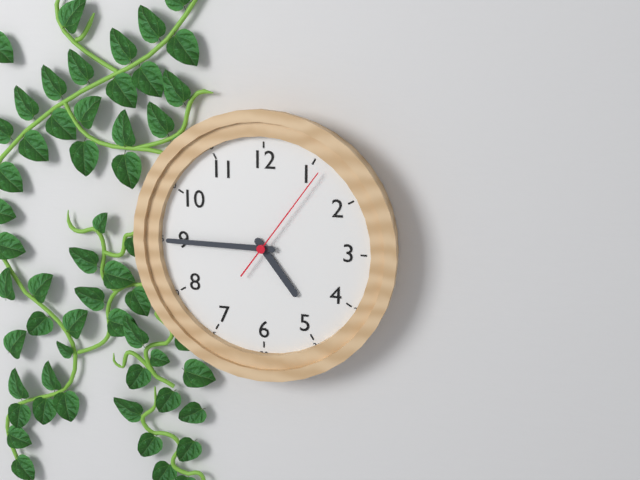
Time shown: **4:45:06**
